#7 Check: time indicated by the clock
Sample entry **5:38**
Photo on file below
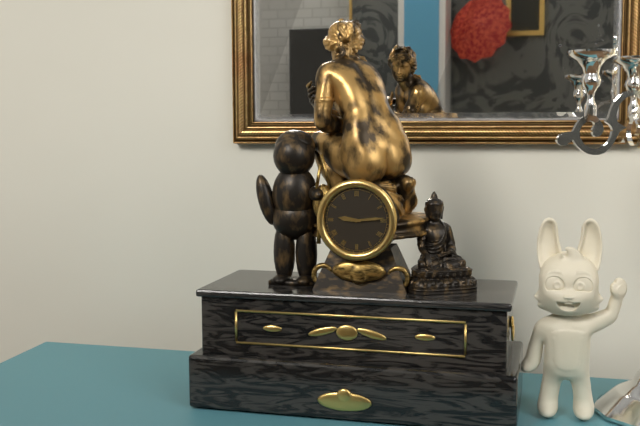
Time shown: **9:14**
